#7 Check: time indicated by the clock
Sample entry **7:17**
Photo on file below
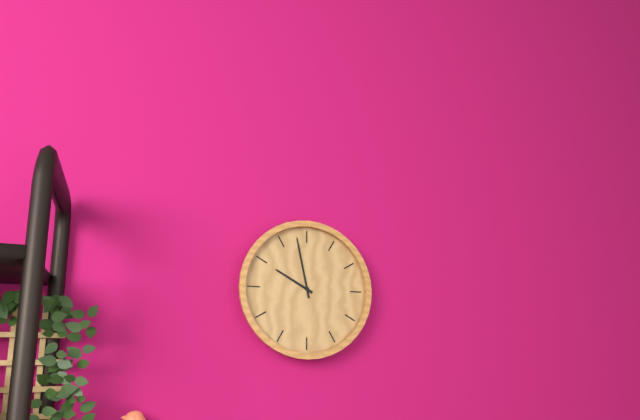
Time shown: **9:58**
